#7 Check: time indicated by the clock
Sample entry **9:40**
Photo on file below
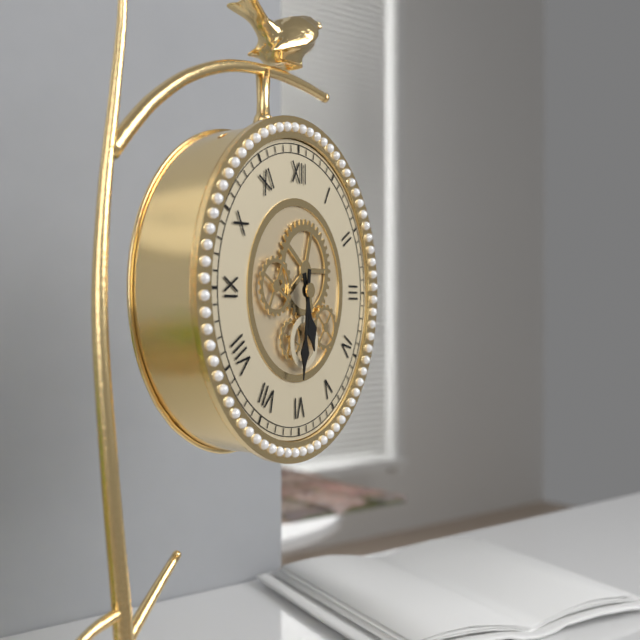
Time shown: **5:31**
